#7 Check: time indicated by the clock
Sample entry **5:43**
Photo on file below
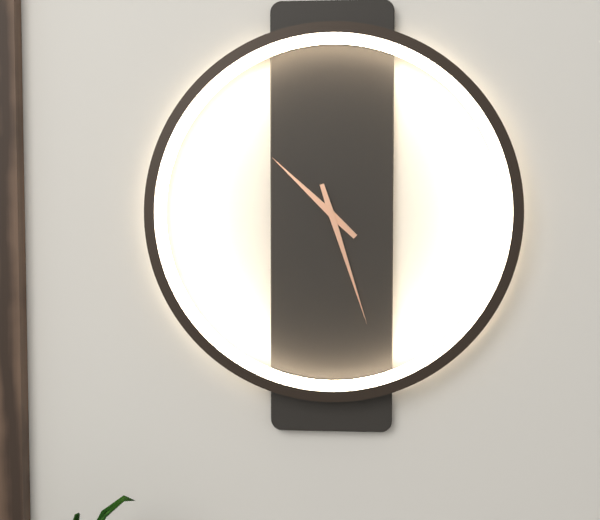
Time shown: **10:27**
